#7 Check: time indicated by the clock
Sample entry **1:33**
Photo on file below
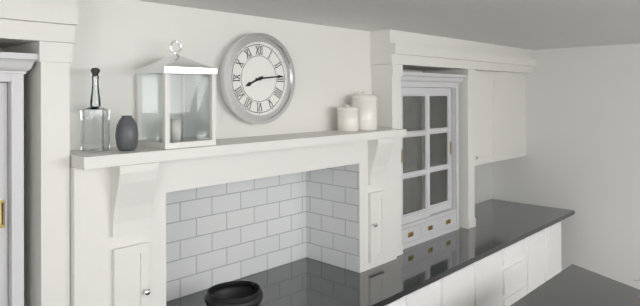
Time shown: **8:14**
